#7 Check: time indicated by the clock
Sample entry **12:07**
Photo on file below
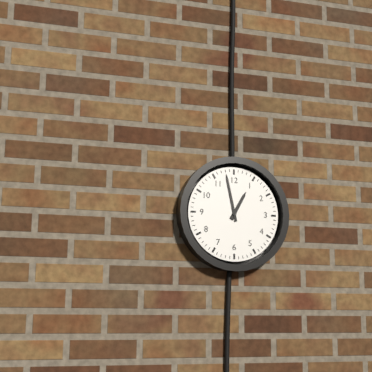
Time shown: **12:58**
